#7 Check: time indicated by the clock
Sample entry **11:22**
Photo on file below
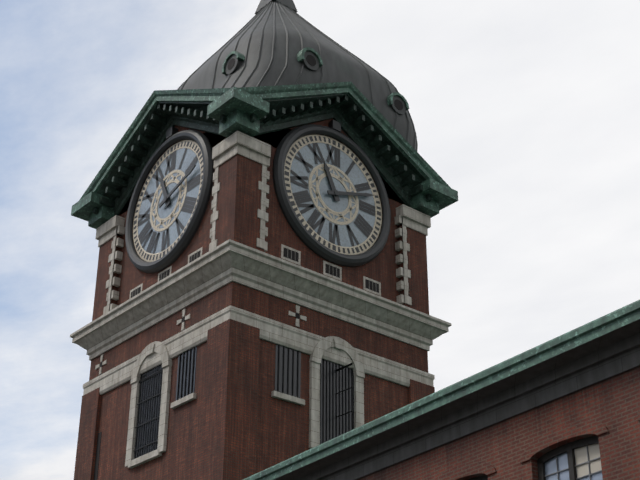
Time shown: **11:12**
